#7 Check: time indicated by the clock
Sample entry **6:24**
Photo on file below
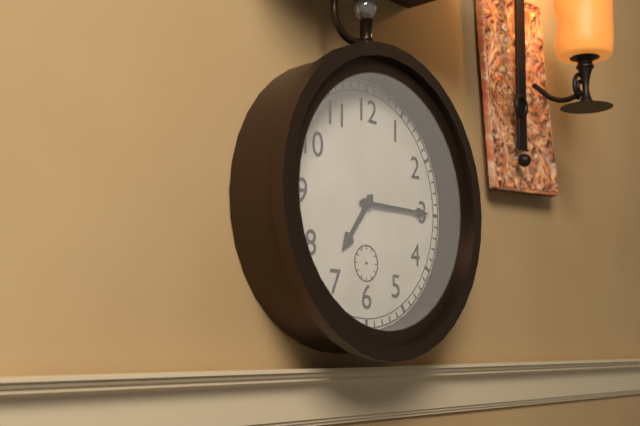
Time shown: **7:15**
